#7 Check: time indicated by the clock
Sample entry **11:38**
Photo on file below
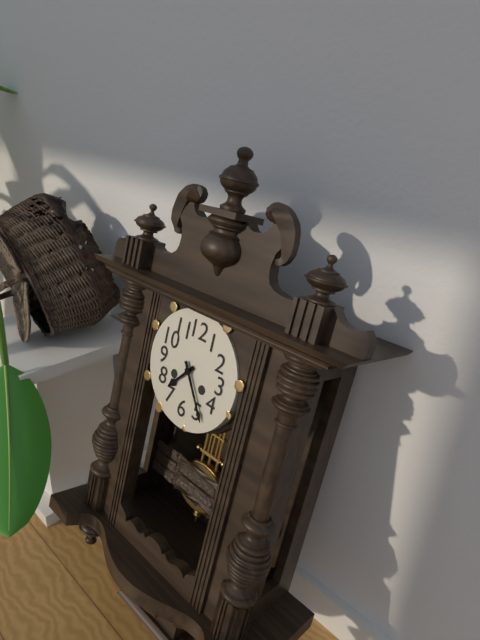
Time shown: **7:24**
